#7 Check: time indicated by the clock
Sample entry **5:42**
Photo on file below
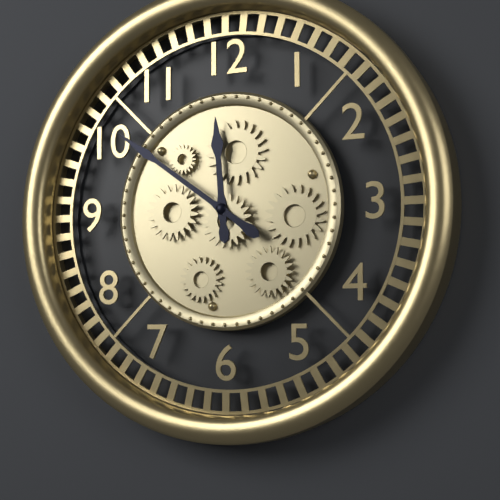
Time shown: **11:51**
